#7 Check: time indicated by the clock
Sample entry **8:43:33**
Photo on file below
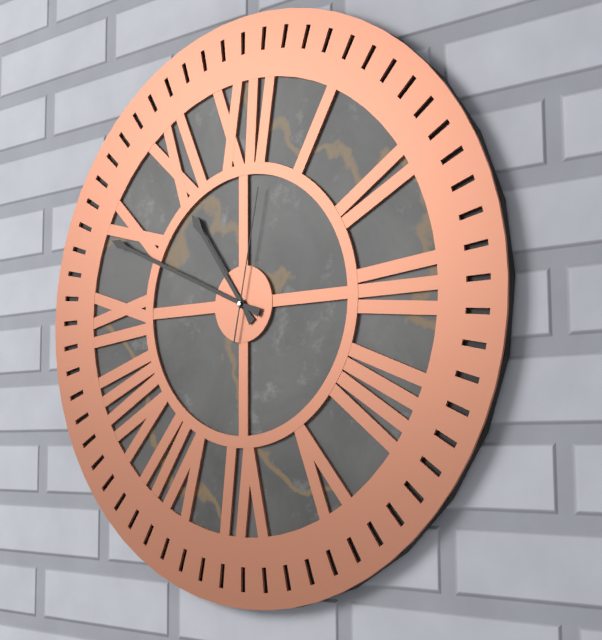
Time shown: **10:49:02**
